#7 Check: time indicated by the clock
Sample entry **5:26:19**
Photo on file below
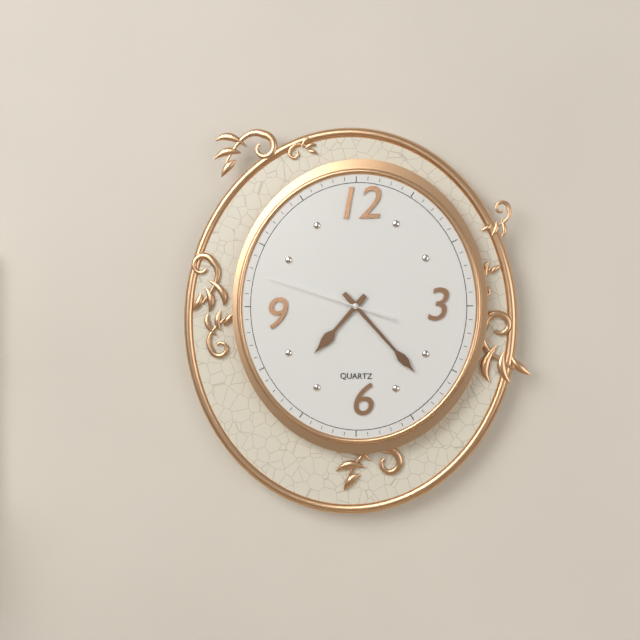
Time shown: **7:23:48**
